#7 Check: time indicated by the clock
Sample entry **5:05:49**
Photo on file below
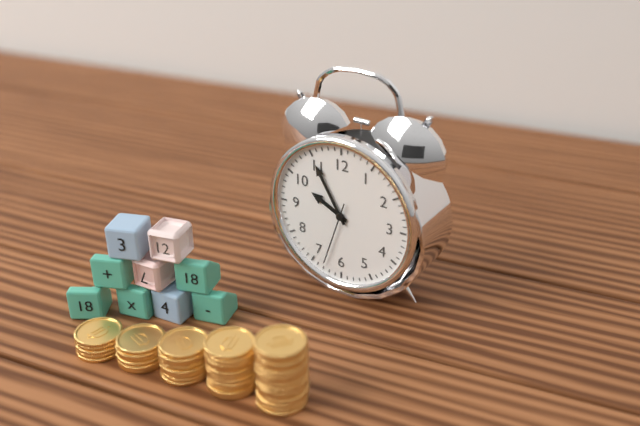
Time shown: **9:55:33**
